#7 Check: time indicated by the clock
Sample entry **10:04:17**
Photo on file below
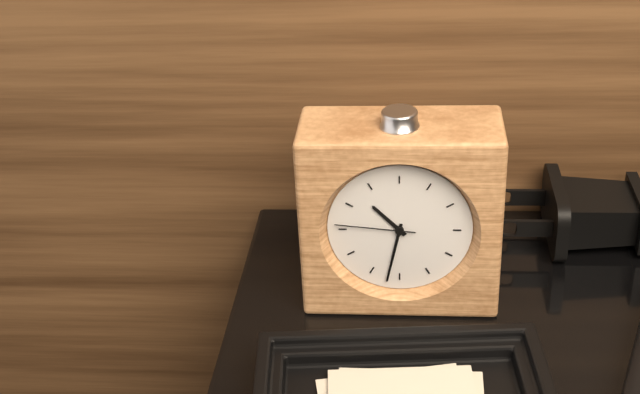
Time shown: **10:32:46**
